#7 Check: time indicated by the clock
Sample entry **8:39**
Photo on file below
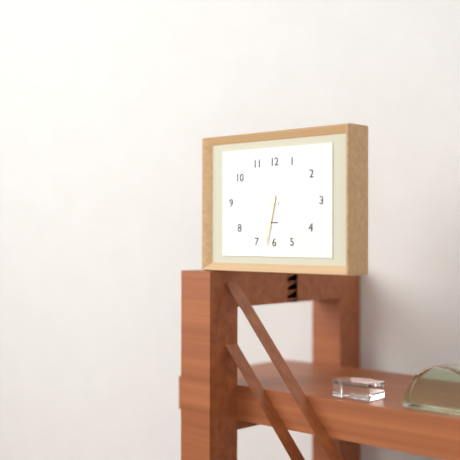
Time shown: **9:32**
